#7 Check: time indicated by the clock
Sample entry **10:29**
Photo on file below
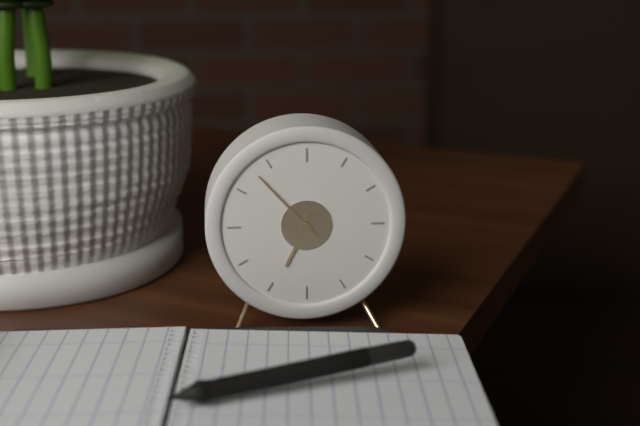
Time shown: **6:53**
